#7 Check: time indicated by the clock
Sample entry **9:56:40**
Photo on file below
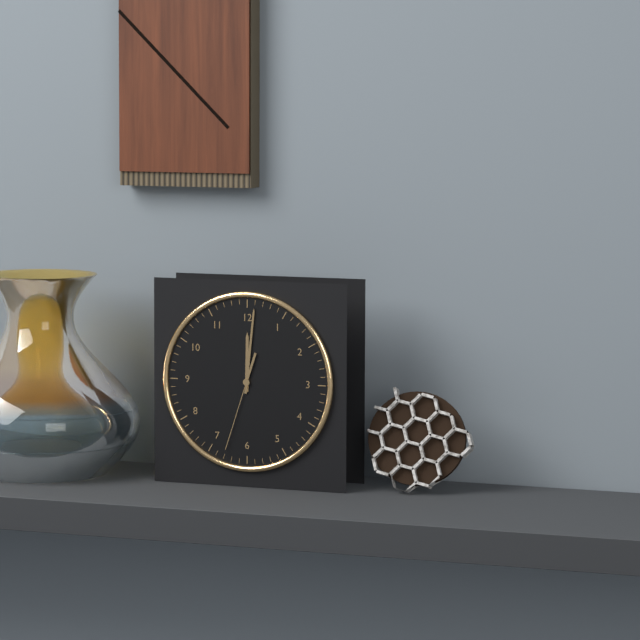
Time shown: **12:01:33**
